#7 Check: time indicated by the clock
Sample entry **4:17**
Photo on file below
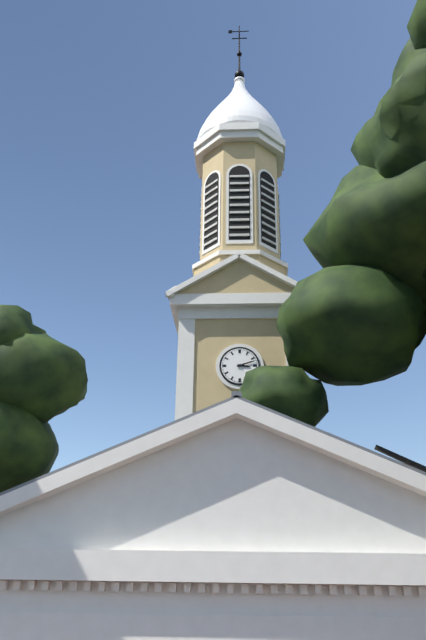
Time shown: **3:12**
